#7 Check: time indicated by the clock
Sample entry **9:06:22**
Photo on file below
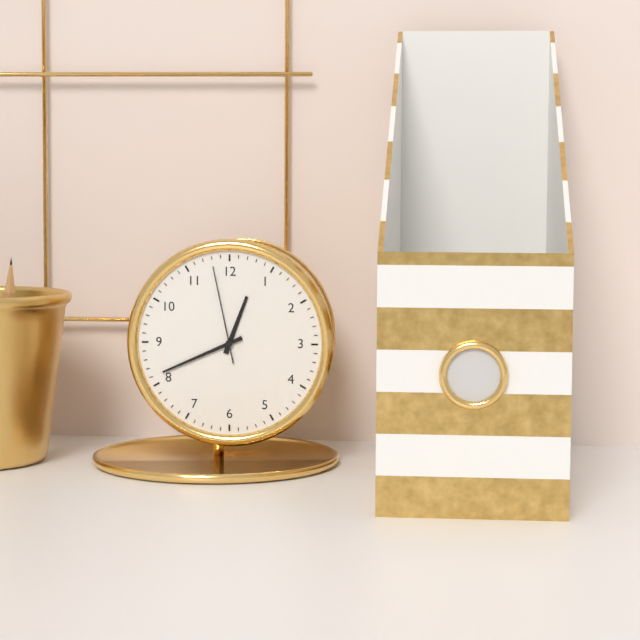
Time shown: **12:41:58**
